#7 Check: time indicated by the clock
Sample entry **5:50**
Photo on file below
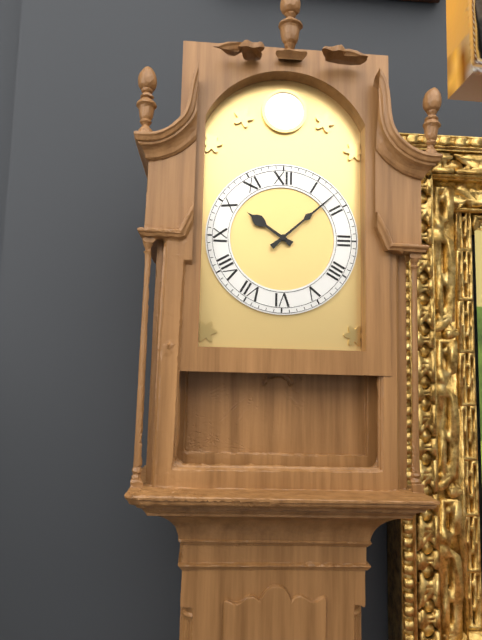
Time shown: **10:08**
